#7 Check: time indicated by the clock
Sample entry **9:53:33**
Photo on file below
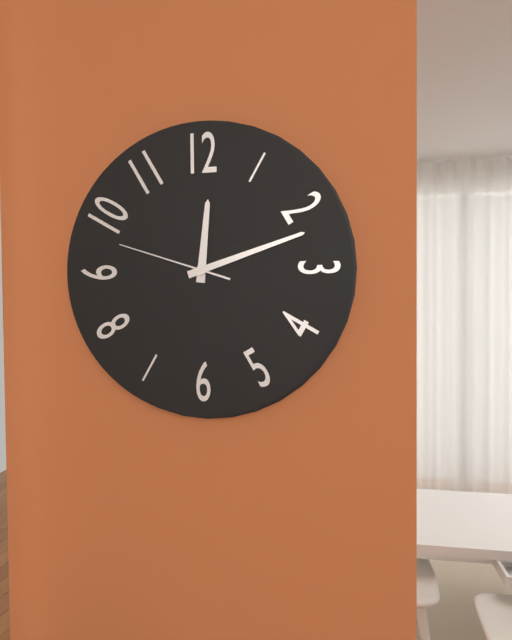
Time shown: **12:12:48**
